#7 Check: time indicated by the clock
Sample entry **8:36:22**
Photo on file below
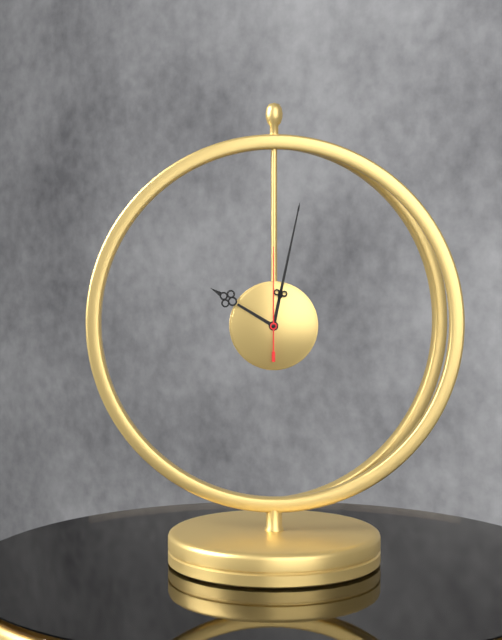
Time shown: **10:02:00**
